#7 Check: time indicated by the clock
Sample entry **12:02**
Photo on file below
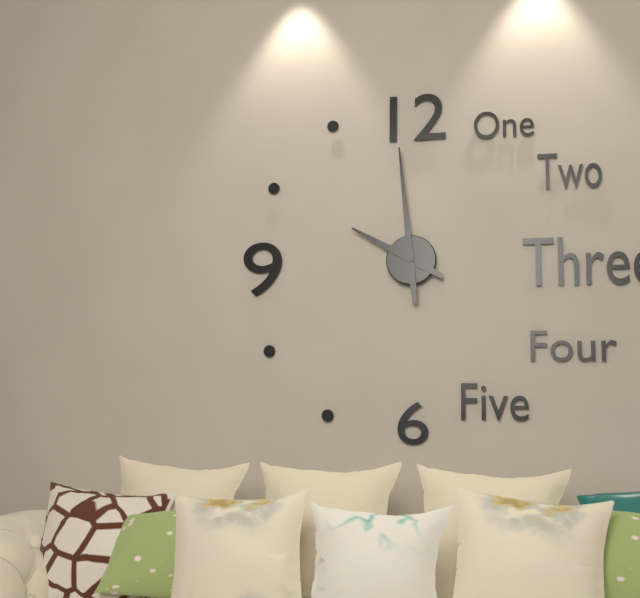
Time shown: **9:59**
